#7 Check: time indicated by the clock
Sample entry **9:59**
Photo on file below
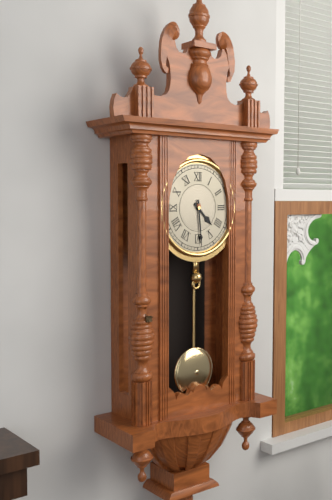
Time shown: **4:29**
